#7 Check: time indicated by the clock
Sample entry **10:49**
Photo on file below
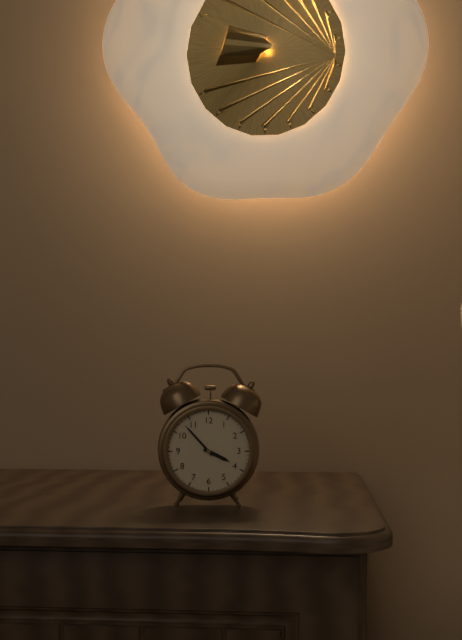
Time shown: **3:53**
